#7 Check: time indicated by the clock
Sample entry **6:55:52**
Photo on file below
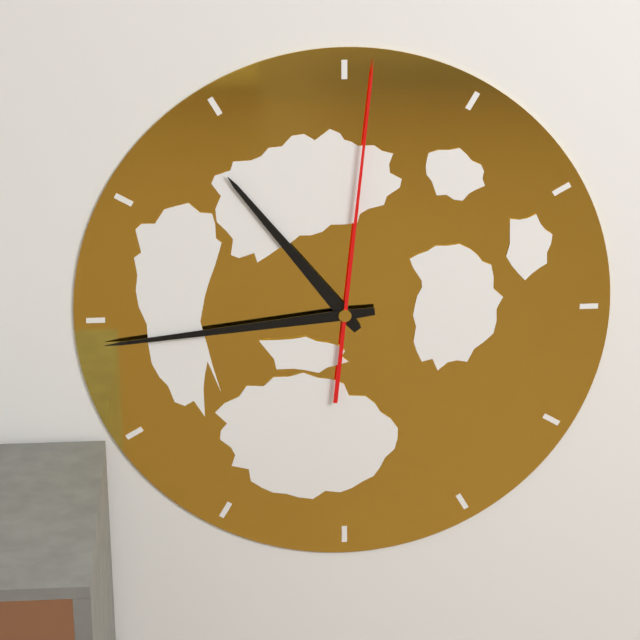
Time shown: **10:44:01**
